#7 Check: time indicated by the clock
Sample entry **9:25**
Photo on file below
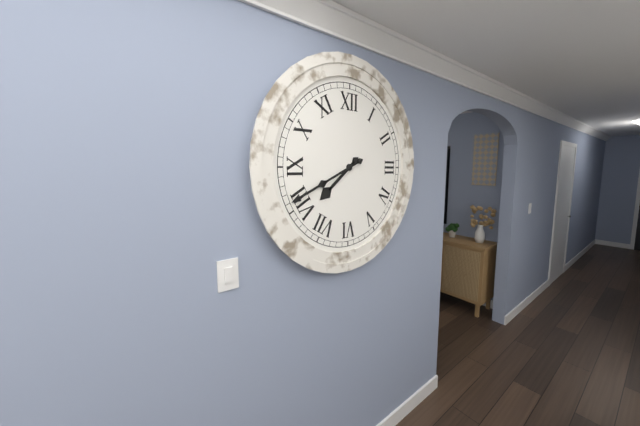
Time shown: **7:41**
